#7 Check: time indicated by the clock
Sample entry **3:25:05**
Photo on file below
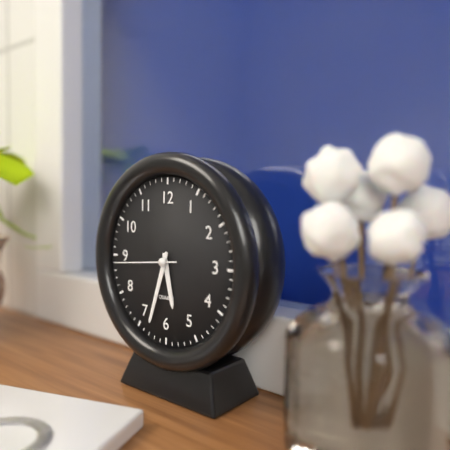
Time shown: **5:33:44**
